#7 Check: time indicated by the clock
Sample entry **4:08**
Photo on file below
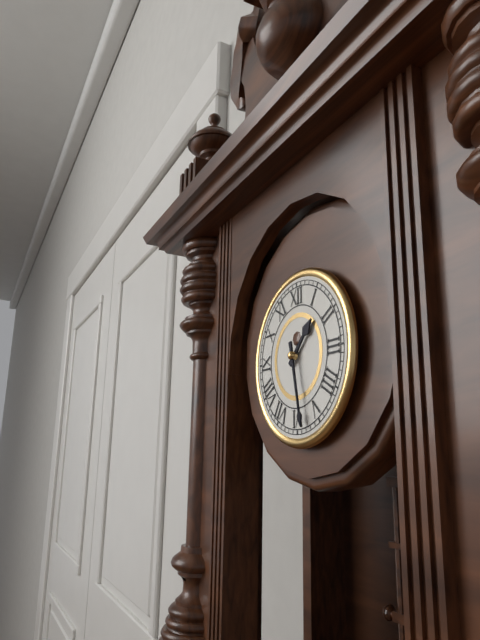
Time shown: **1:28**
